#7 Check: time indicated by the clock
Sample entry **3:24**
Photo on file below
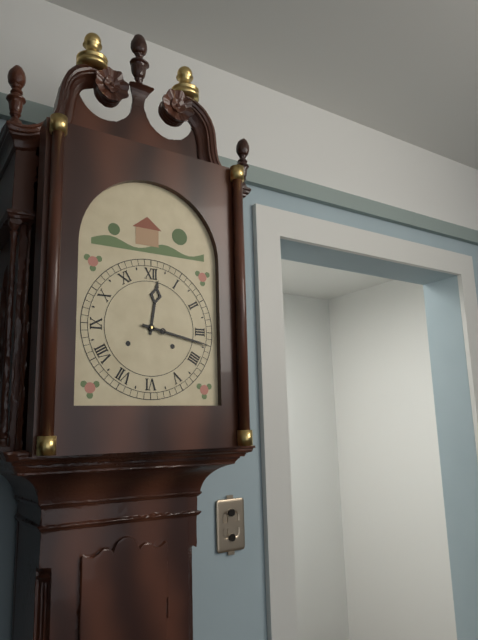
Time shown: **12:17**
